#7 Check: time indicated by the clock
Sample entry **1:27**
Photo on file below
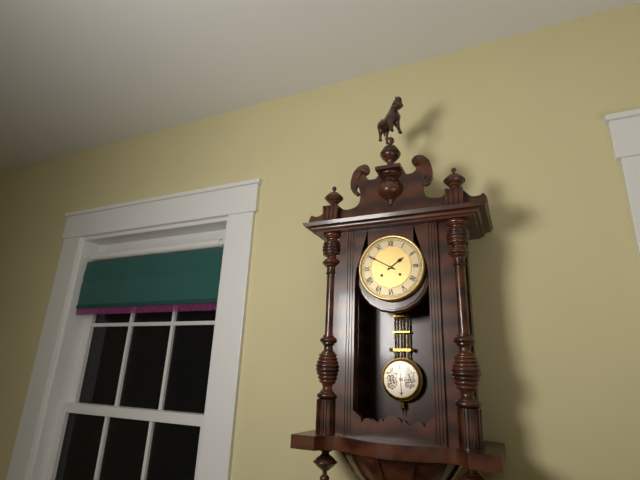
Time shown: **1:50**
